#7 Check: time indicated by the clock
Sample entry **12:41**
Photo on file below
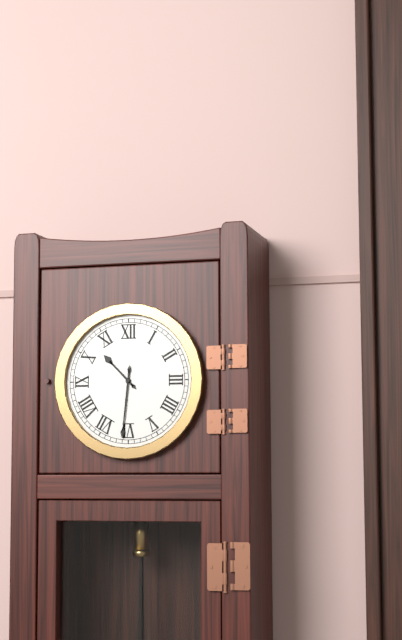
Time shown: **10:31**
